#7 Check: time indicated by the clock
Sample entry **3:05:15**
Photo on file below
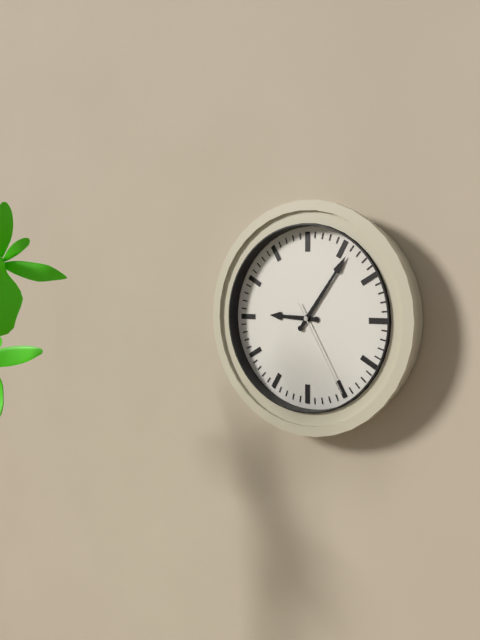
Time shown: **9:06:25**
